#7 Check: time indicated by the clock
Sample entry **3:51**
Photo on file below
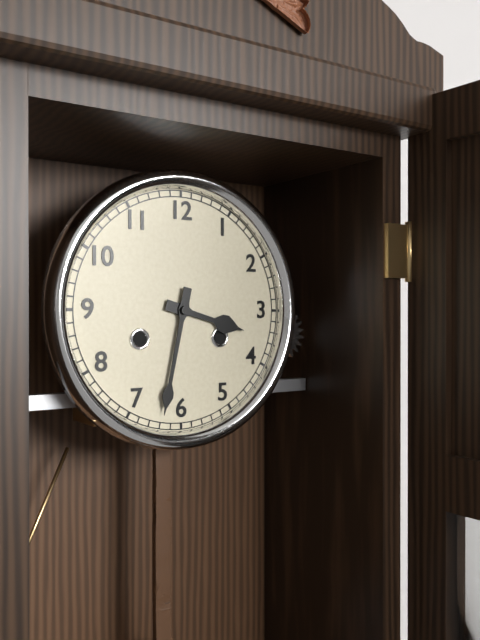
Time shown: **3:32**
